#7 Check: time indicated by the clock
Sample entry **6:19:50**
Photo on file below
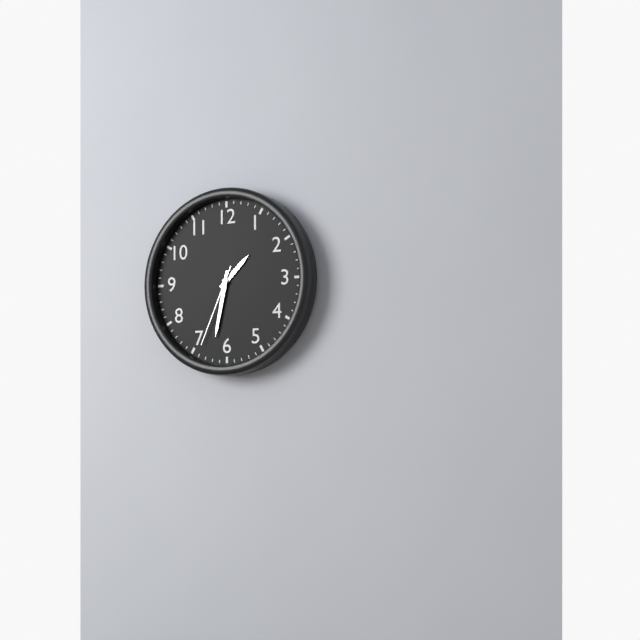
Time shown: **1:32:34**
